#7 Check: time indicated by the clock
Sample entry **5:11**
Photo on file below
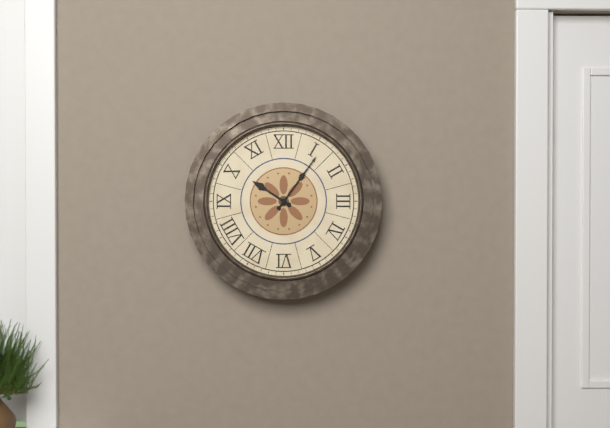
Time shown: **10:06**
